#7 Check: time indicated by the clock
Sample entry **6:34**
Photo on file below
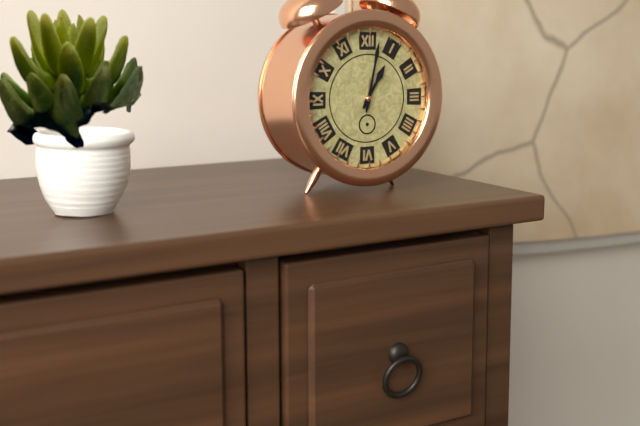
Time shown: **1:02**
